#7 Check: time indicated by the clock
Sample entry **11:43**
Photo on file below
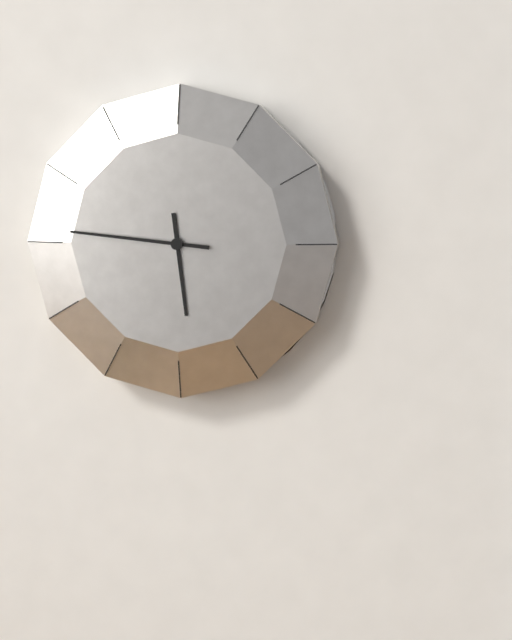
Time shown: **5:46**
